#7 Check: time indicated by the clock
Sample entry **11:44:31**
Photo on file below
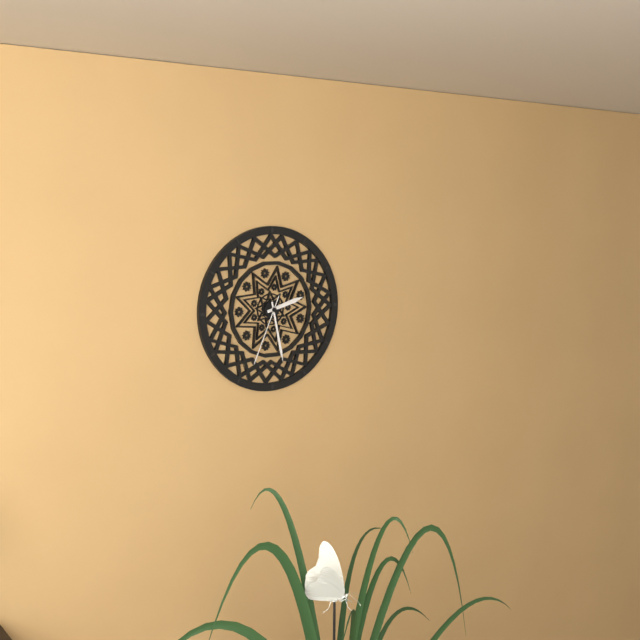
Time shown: **2:28:34**
